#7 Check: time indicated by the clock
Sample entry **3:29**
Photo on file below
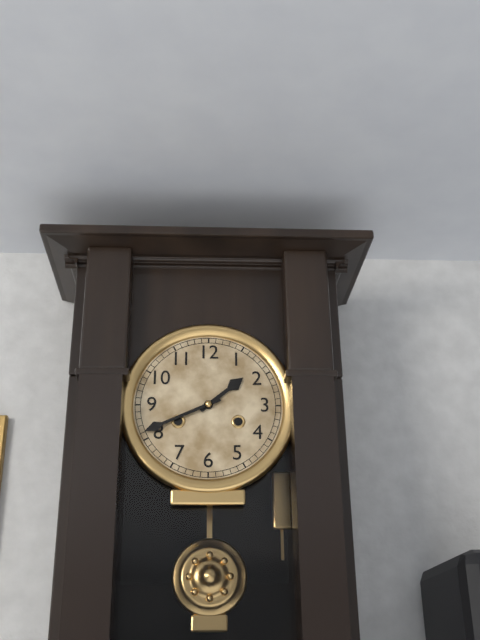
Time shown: **1:41**
